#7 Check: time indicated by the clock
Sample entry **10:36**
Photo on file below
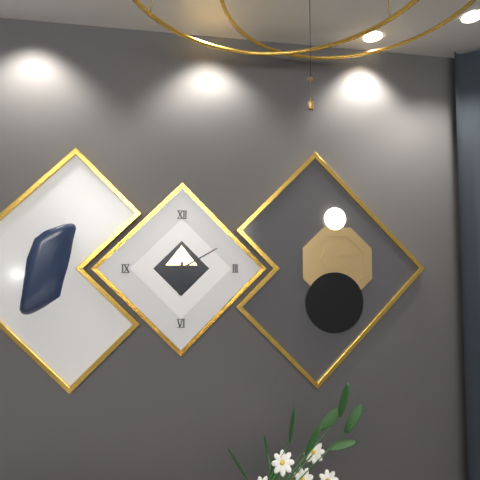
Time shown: **6:10**
